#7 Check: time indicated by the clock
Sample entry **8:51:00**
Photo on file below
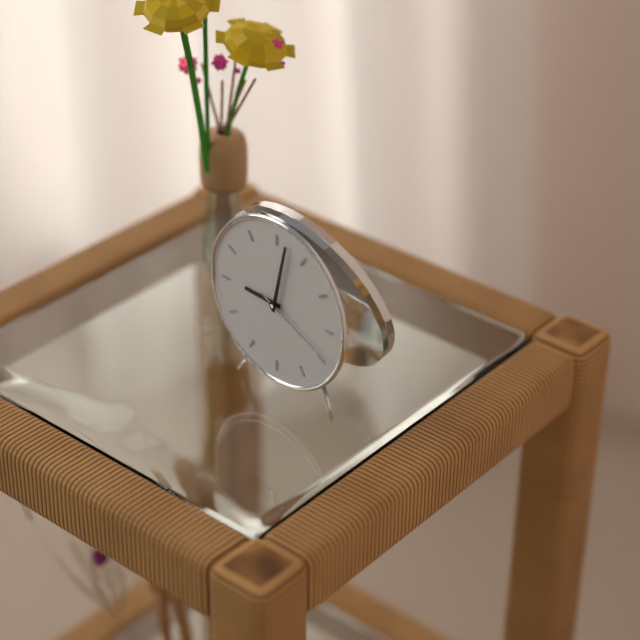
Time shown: **9:02:19**
